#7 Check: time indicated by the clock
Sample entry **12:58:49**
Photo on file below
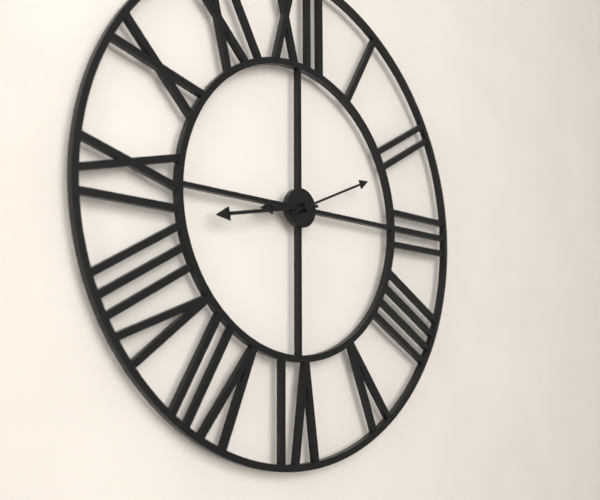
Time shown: **8:43:11**
